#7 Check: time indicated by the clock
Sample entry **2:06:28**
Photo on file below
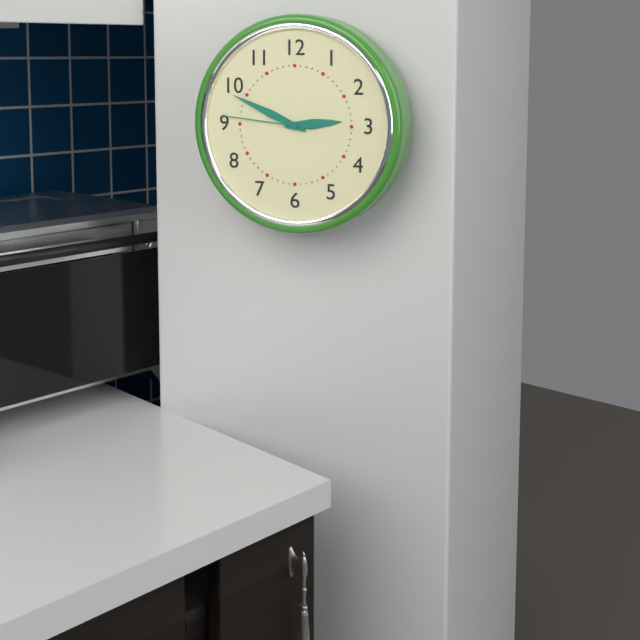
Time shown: **2:49:46**
